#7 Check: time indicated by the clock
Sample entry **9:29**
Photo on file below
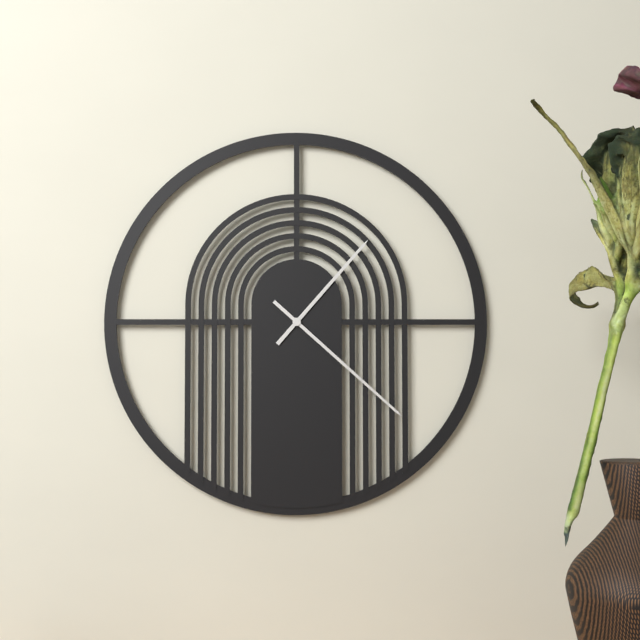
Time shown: **1:22**
